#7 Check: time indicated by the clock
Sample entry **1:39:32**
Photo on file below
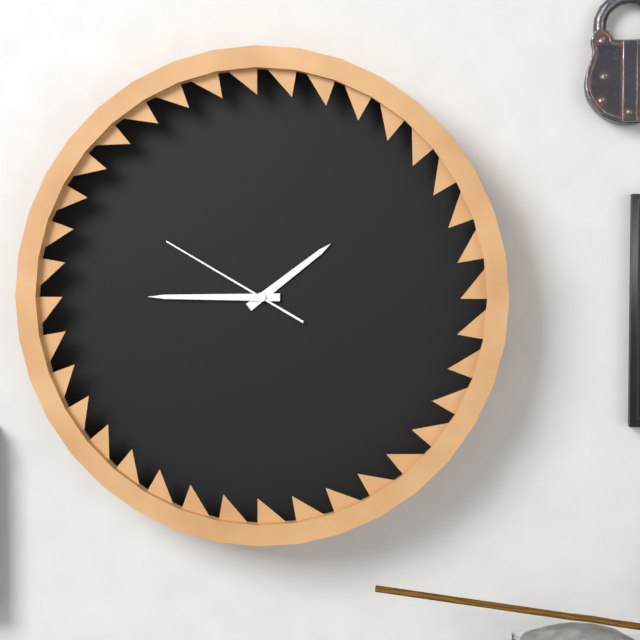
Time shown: **1:45:50**
